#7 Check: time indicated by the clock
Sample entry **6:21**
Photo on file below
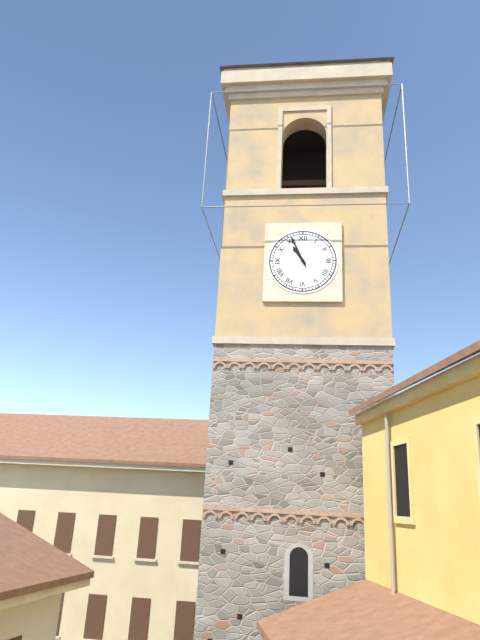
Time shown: **10:56**
